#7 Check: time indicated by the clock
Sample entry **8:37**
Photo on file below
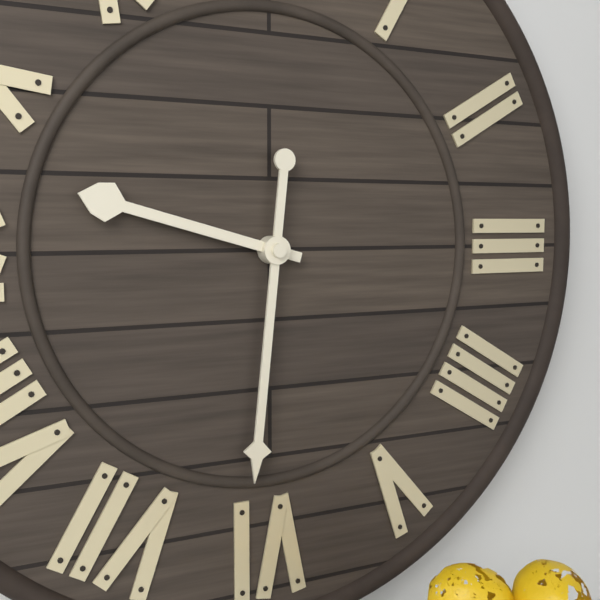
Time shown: **9:31**
